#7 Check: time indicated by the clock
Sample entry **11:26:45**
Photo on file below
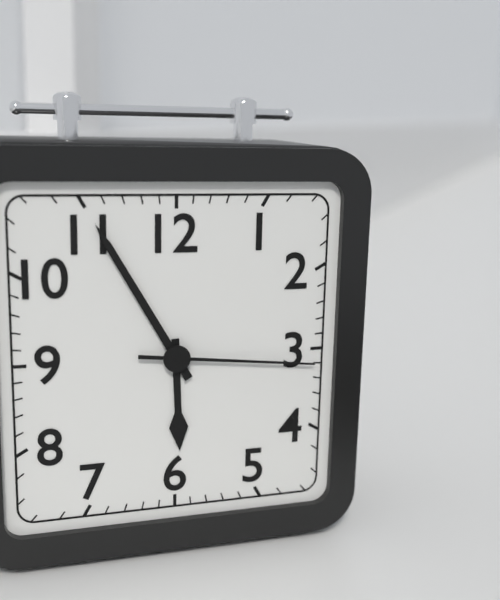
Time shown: **5:55:16**
